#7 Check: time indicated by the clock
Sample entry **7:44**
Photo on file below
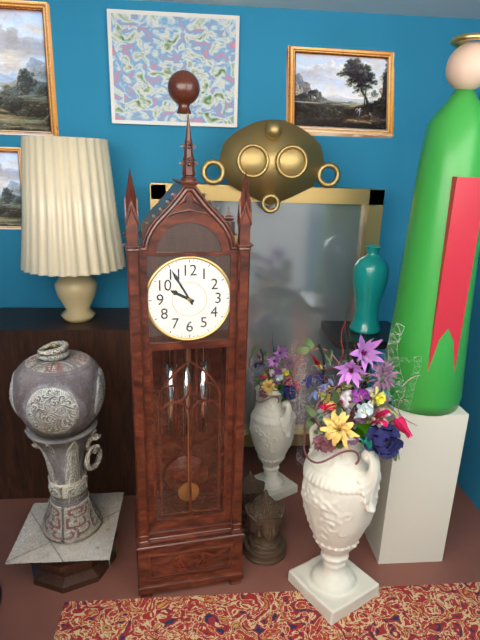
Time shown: **9:55**
